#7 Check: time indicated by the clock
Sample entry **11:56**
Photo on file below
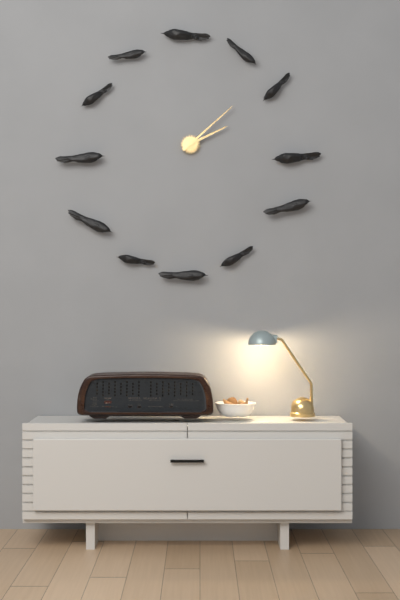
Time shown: **2:08**
